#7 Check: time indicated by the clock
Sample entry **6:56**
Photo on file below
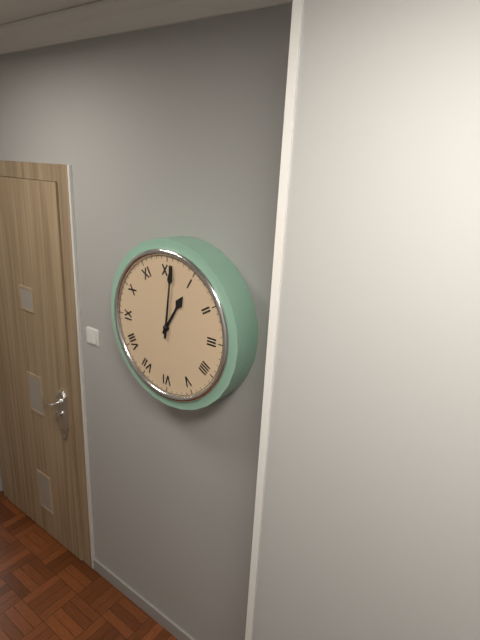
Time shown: **1:01**
